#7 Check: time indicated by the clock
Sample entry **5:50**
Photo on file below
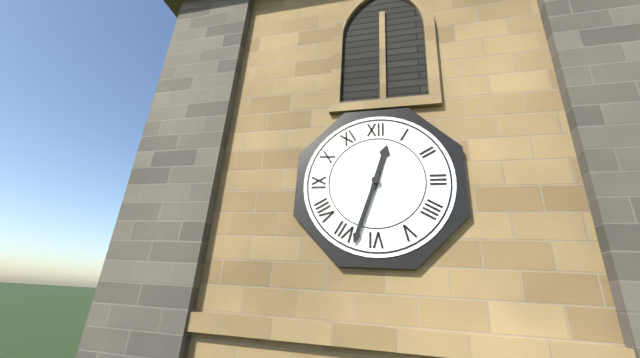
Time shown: **12:33**
